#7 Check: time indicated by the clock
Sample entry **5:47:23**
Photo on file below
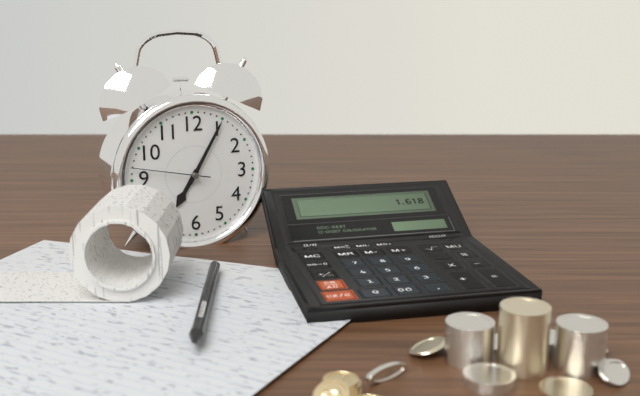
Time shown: **7:05:47**
